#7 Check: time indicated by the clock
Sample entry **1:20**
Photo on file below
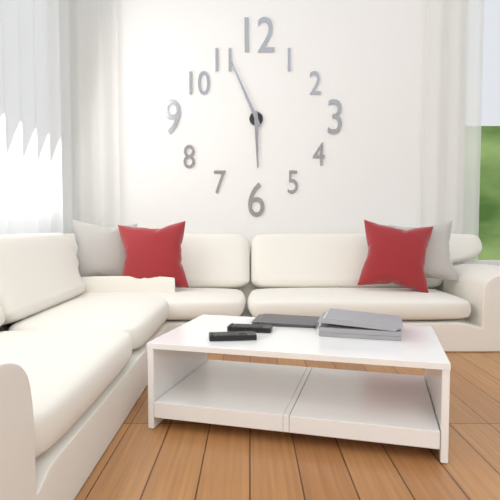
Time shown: **5:56**
